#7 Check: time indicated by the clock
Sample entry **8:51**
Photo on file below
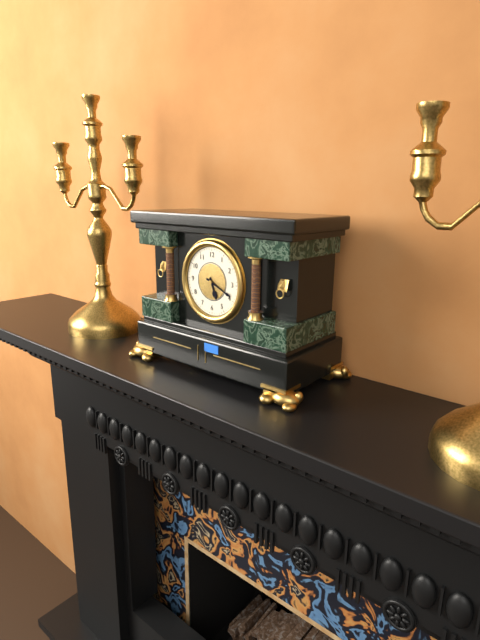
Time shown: **5:19**
